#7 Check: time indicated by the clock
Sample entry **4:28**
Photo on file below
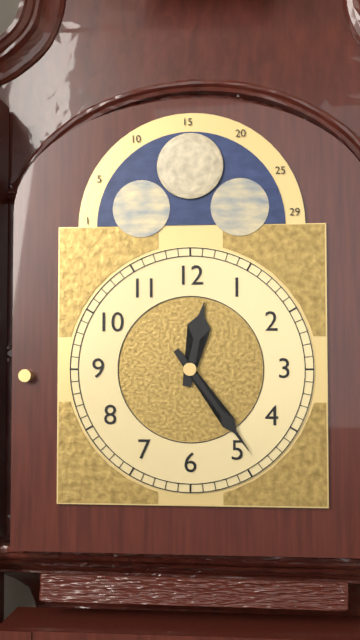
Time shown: **12:24**
